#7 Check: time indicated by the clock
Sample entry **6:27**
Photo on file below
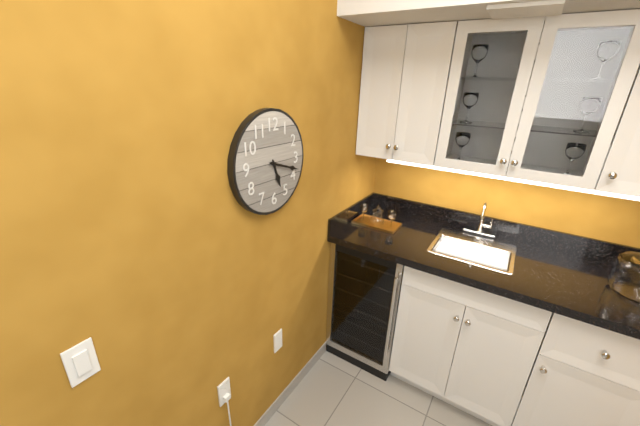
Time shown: **5:18**
